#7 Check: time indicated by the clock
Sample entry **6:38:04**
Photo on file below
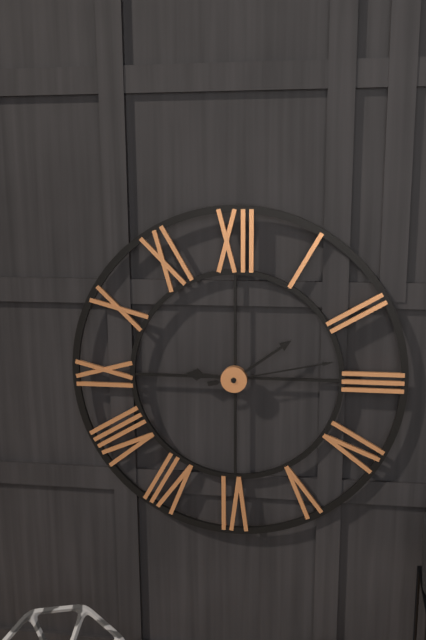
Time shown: **9:09:13**
